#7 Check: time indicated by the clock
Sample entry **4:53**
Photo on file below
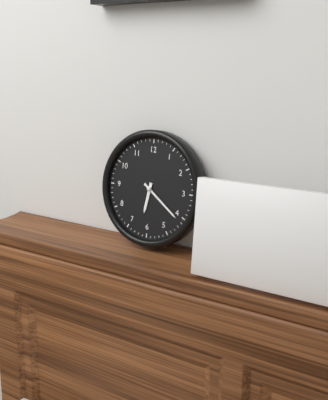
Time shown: **6:21**
